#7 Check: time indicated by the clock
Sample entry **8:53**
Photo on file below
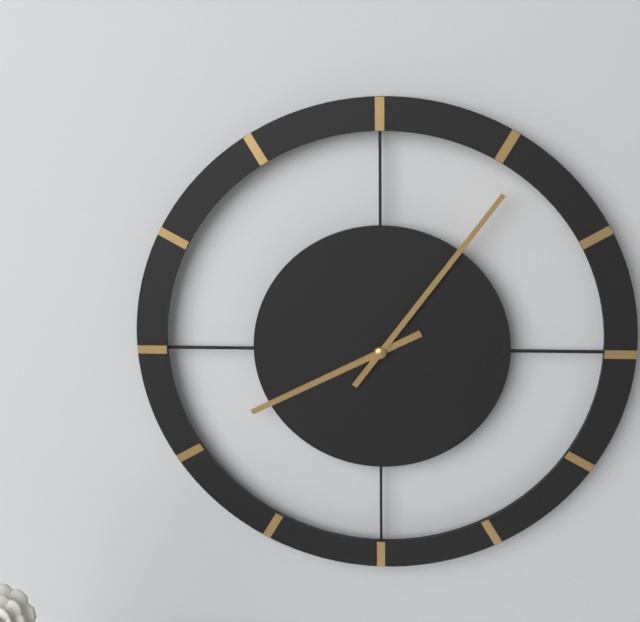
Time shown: **8:06**
